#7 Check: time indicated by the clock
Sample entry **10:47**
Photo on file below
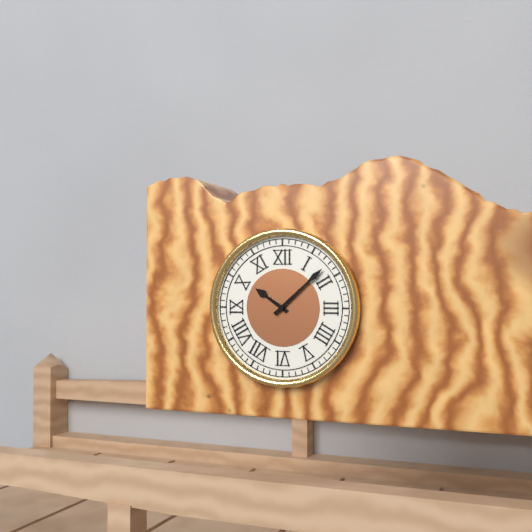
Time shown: **10:08**
